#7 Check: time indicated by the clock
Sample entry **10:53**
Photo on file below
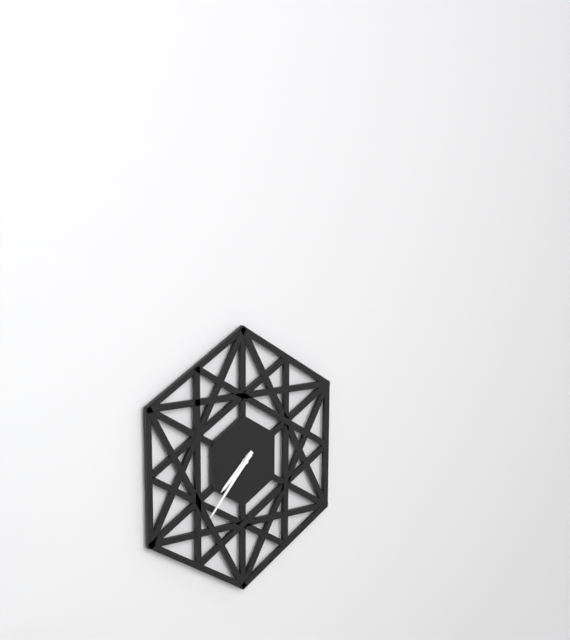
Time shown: **7:37**
